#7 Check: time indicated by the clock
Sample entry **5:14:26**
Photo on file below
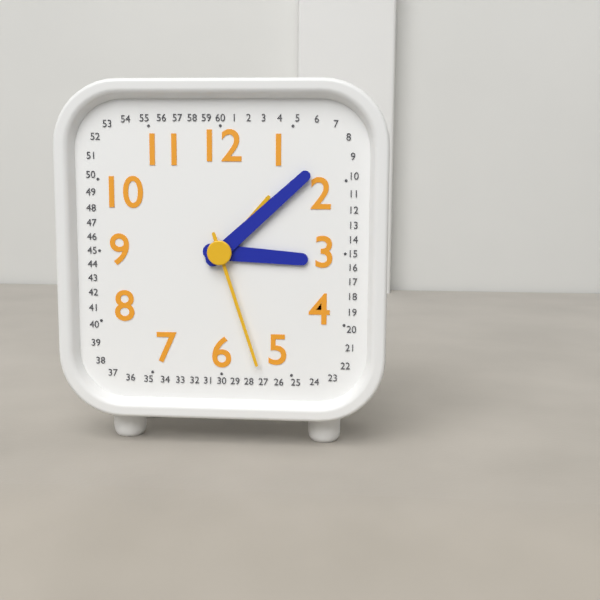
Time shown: **3:08:27**
